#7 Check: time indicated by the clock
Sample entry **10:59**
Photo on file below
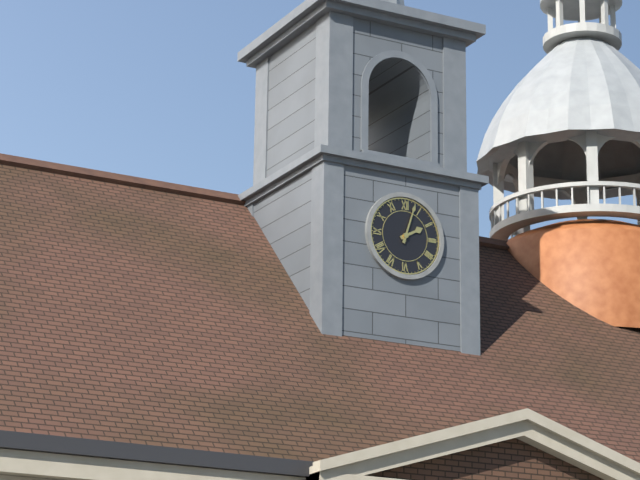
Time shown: **2:03**
